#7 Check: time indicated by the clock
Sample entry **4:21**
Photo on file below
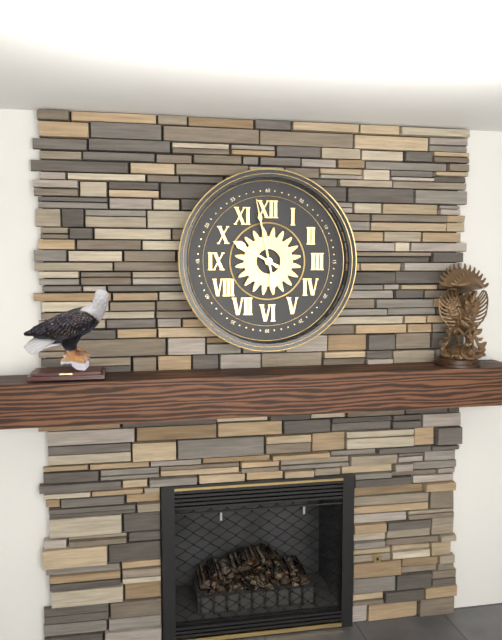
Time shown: **9:58**
